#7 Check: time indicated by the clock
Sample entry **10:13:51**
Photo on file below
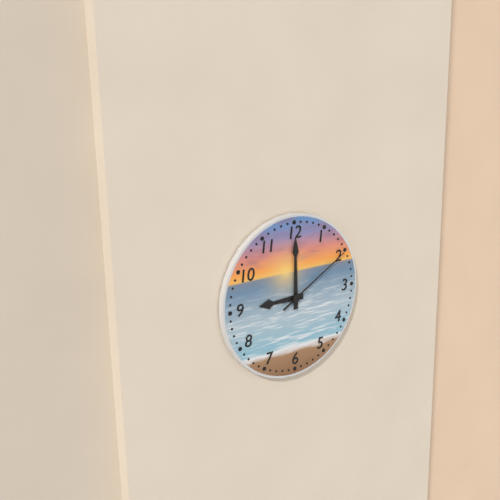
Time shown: **9:00:10**
